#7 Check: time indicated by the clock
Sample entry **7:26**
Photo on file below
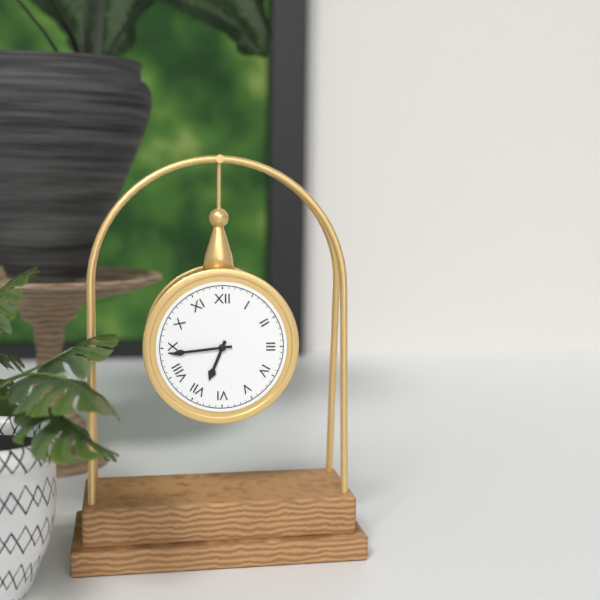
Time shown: **6:44**
